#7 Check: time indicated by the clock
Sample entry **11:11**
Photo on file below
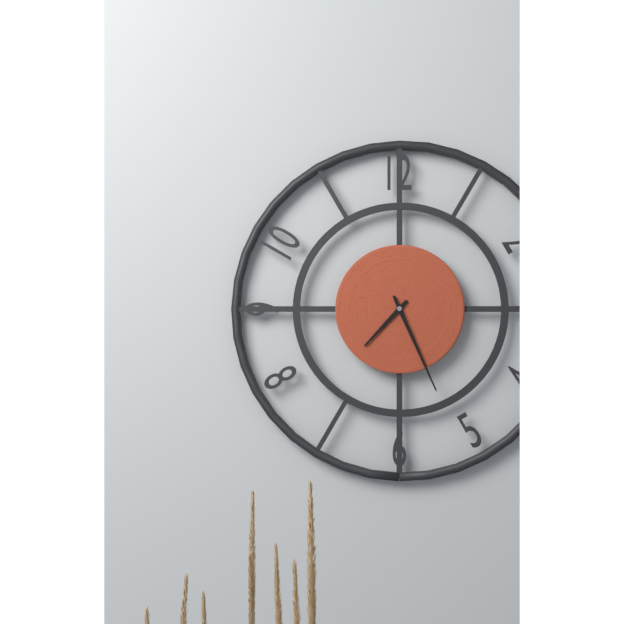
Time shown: **7:26**
